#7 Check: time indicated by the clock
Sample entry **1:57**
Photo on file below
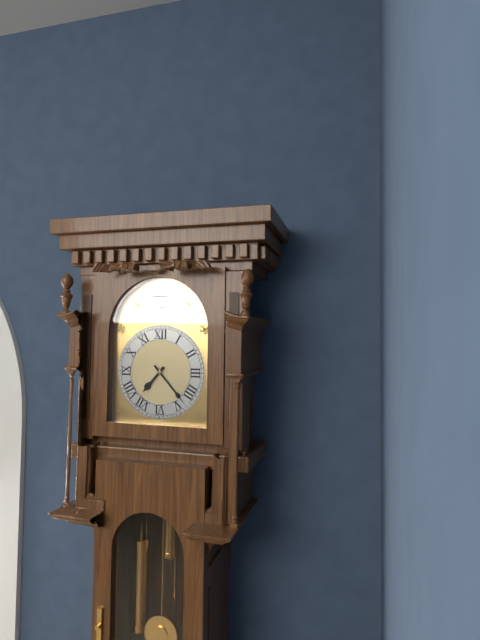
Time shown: **7:23**
